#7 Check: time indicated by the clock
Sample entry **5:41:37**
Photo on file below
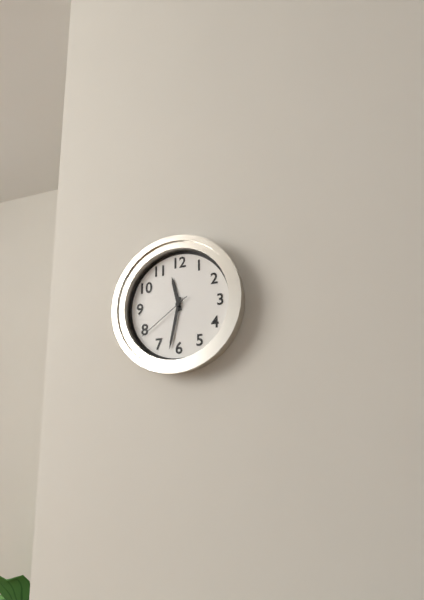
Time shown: **11:32:39**
